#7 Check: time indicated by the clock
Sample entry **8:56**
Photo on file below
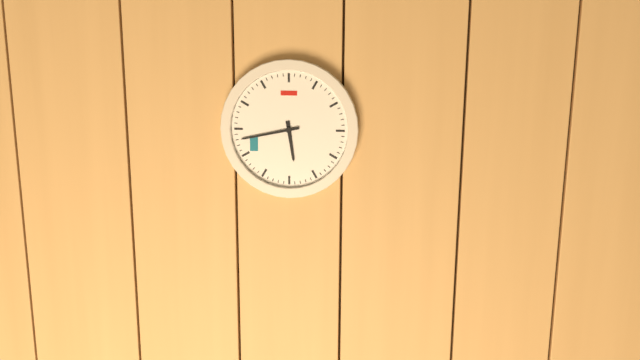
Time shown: **5:43**
